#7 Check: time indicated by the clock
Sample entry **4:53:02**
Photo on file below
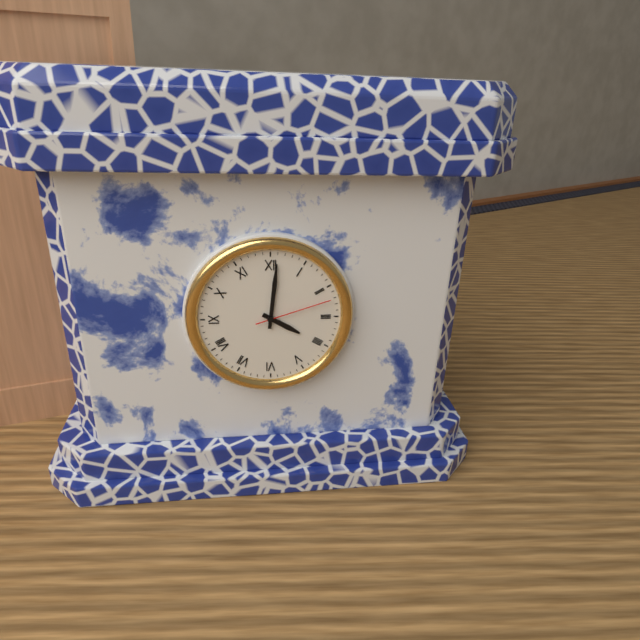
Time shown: **4:01:12**
